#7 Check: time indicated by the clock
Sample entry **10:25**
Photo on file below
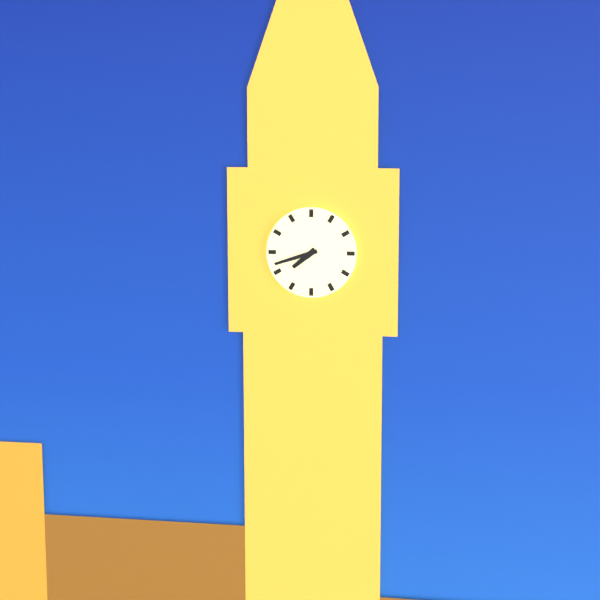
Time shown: **7:42**
